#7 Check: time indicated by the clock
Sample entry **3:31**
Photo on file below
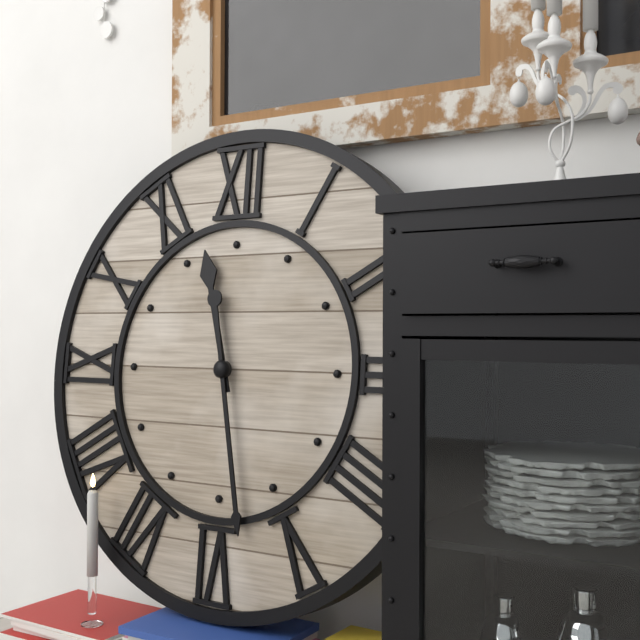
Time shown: **11:28**
